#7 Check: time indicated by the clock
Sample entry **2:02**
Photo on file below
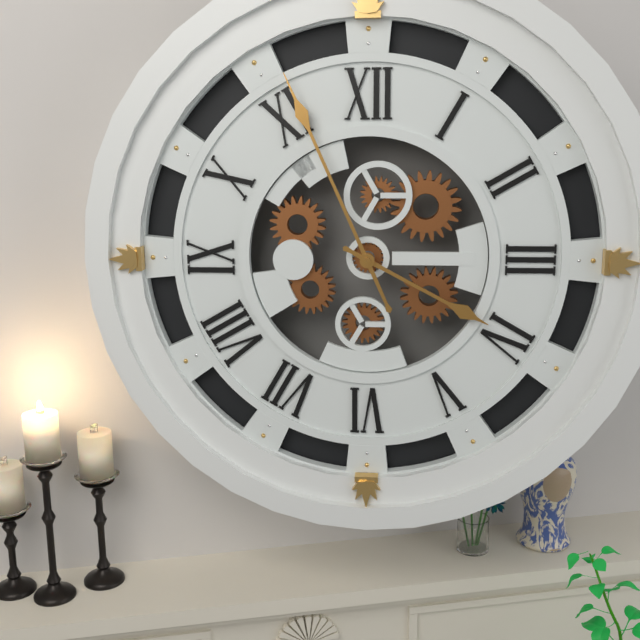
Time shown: **3:56**
